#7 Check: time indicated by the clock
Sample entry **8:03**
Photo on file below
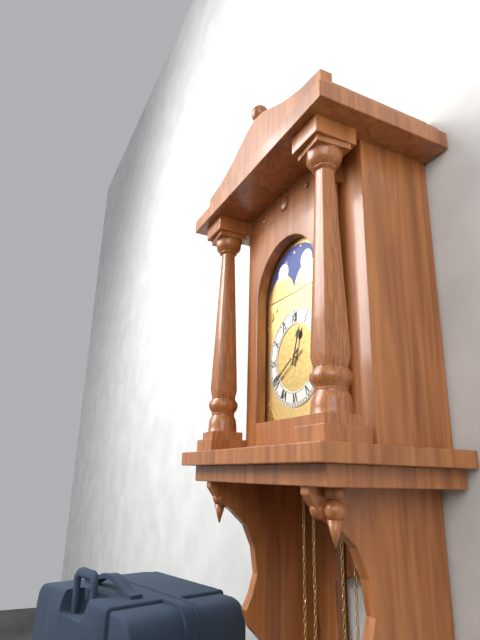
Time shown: **12:40**
